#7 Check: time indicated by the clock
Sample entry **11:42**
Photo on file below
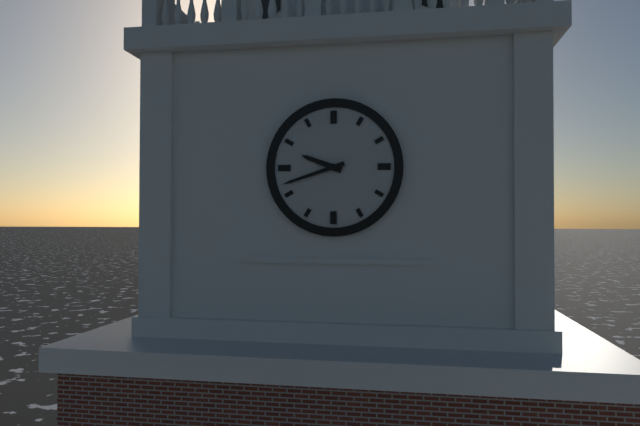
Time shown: **9:42**
